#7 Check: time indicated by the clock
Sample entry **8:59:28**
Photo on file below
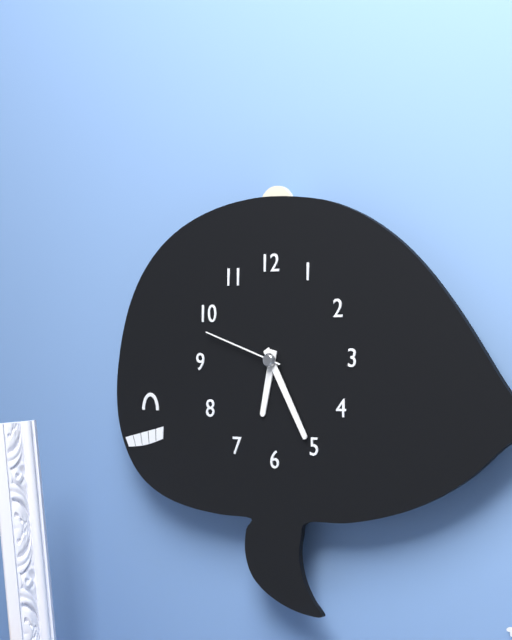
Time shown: **6:25:48**
